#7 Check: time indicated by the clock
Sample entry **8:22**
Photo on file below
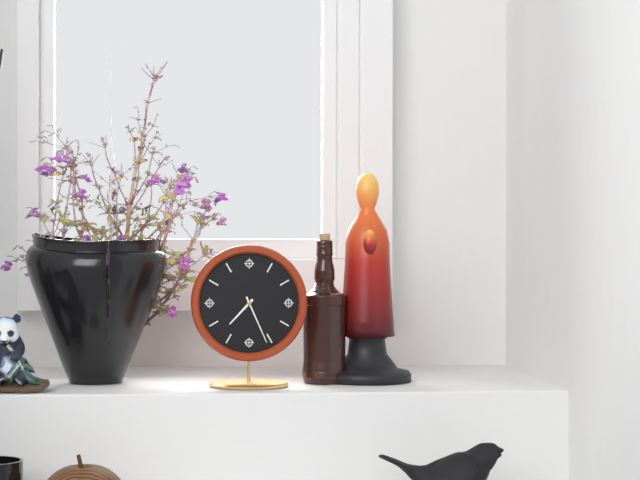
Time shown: **7:26**
